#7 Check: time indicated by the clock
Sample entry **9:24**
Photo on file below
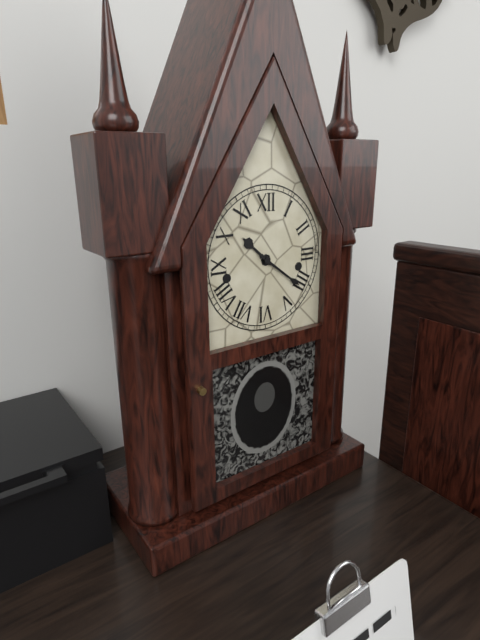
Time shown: **10:21**
